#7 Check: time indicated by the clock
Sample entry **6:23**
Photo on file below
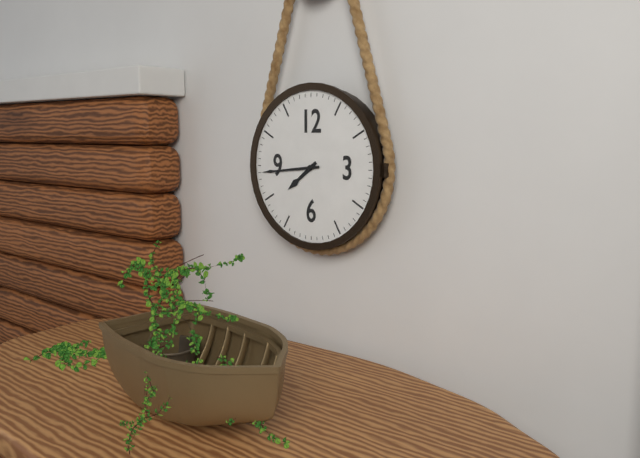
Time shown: **7:44**
